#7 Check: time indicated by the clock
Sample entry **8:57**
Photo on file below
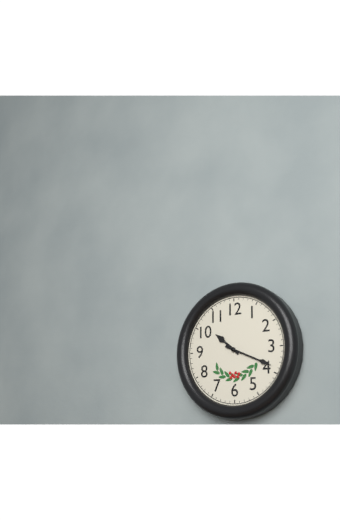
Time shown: **10:19**
